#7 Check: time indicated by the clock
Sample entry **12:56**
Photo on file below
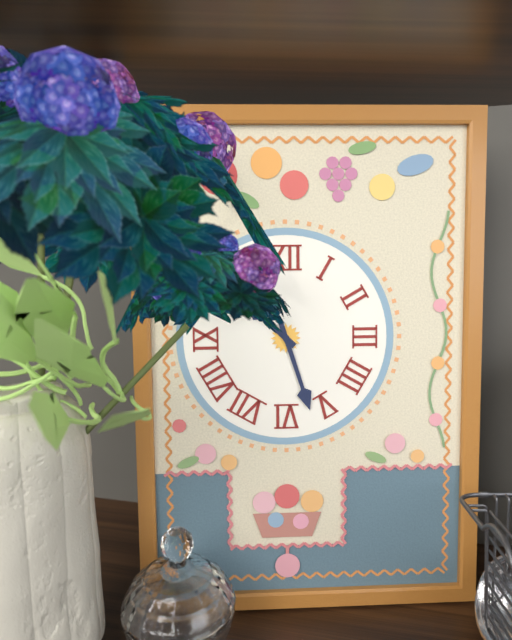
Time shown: **10:27**
